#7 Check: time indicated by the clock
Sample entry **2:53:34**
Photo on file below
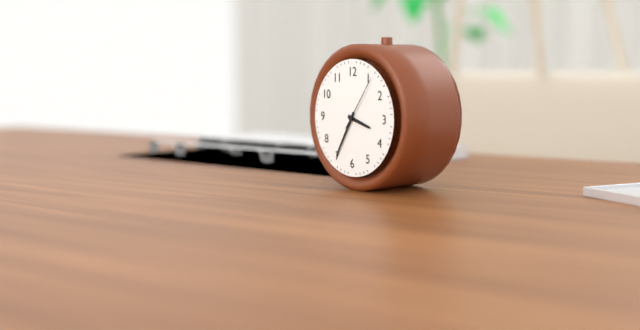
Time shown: **3:35:06**
